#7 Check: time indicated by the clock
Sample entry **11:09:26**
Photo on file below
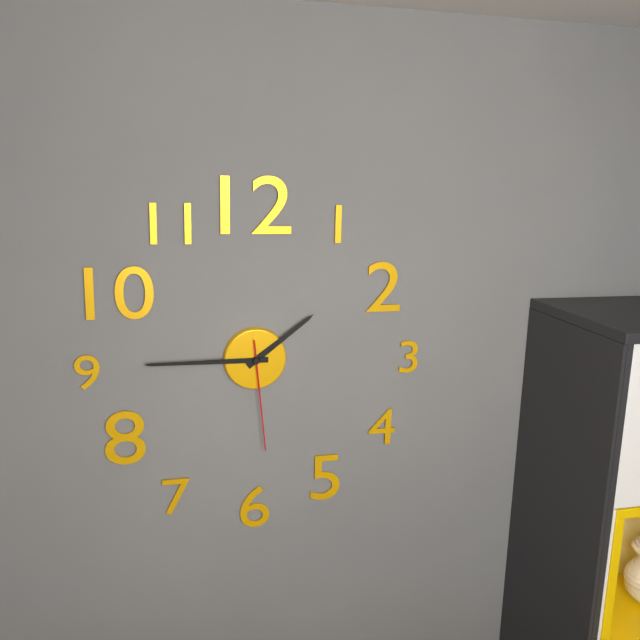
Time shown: **1:45:29**
